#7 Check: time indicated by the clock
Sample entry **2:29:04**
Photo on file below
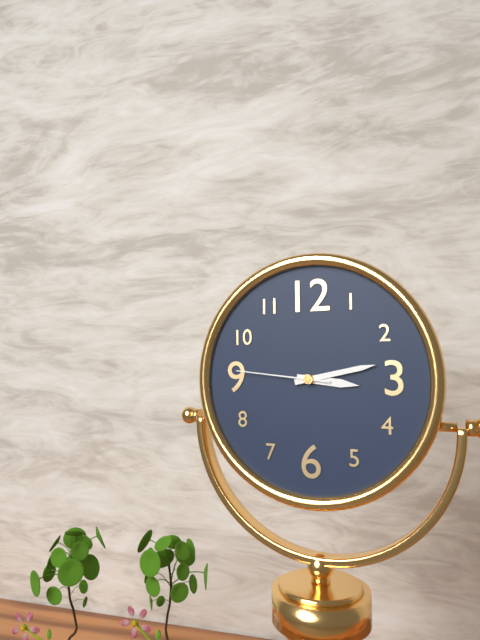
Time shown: **3:13:46**
